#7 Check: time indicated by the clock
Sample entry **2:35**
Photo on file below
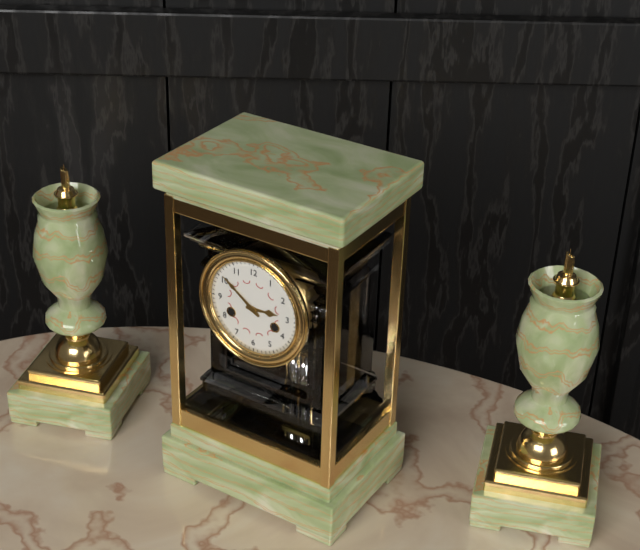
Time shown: **2:51**
